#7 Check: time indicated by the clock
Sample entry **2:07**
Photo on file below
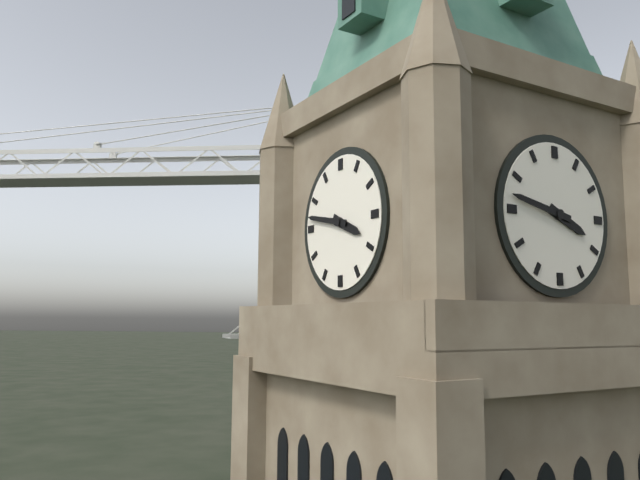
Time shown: **3:47**
